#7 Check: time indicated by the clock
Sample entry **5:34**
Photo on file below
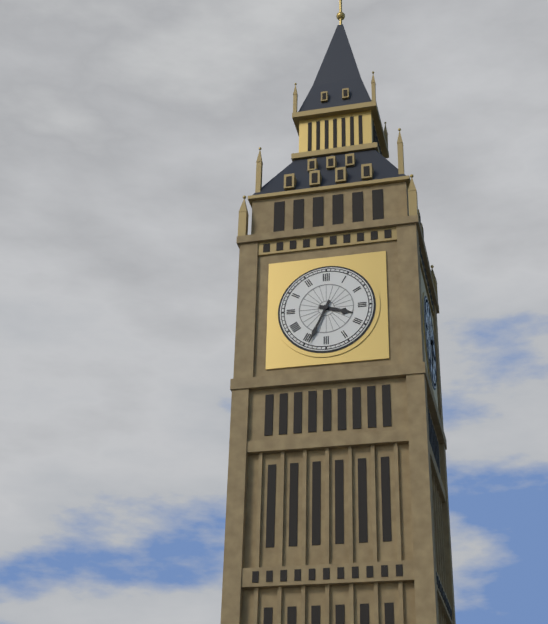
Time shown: **3:34**
